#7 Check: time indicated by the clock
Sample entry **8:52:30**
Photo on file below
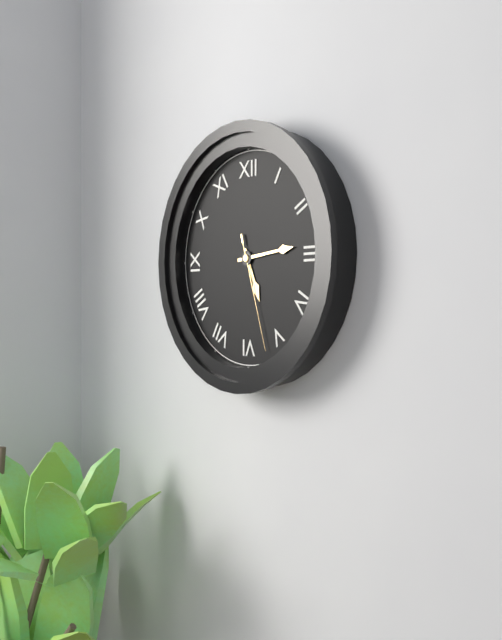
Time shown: **5:14:27**
